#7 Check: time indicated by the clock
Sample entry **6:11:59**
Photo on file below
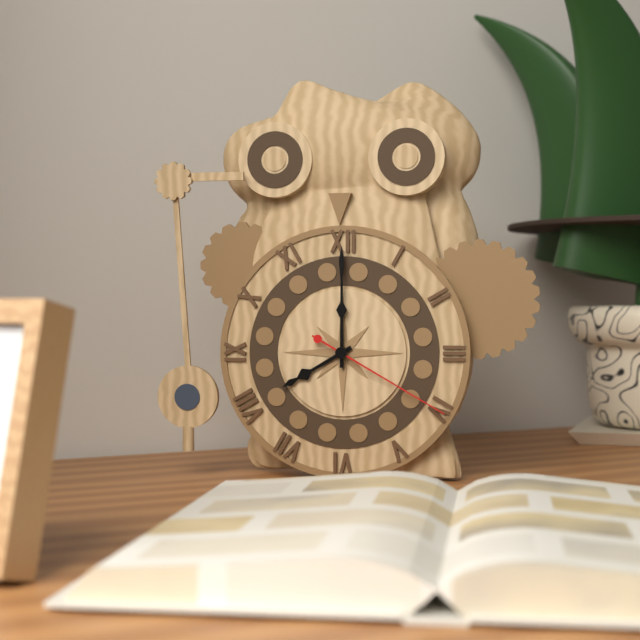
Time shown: **8:00:20**
